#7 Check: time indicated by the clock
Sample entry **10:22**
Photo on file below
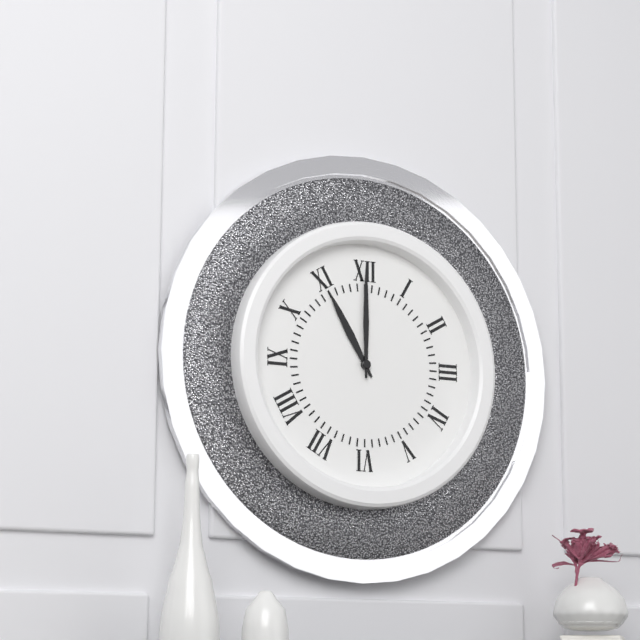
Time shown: **11:00**
